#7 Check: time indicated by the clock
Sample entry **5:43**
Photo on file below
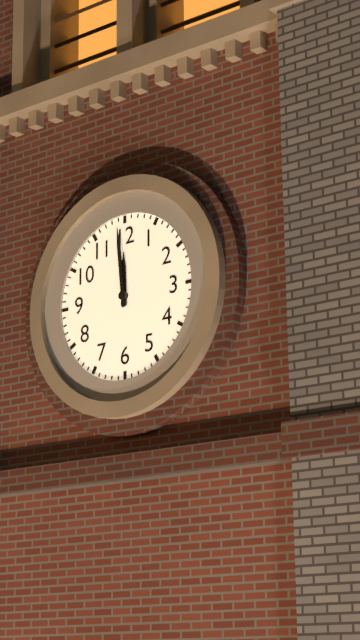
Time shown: **11:59**
